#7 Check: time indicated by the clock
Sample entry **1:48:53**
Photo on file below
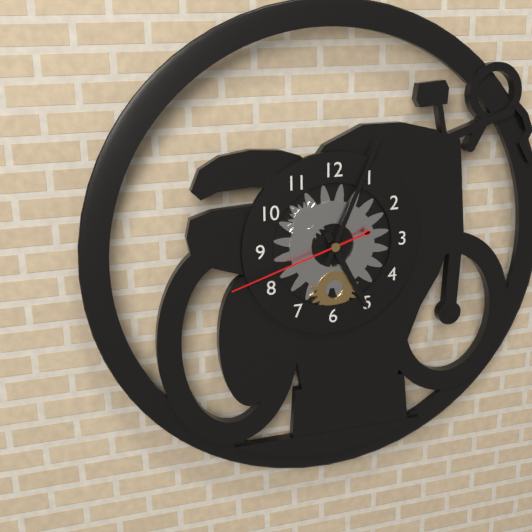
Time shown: **5:04:42**
